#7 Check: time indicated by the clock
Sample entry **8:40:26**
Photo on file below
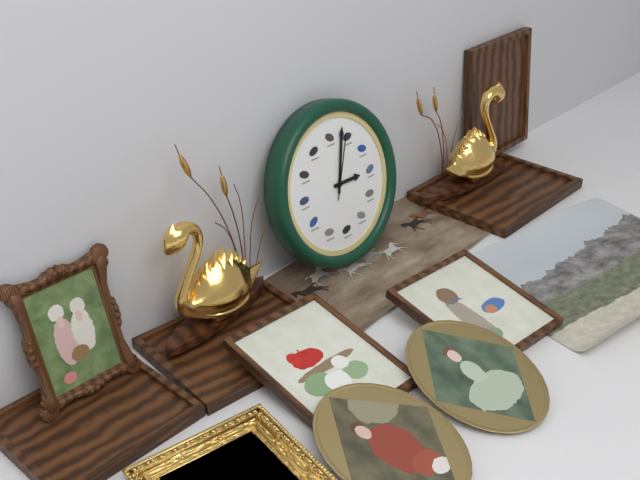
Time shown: **3:03:04**
